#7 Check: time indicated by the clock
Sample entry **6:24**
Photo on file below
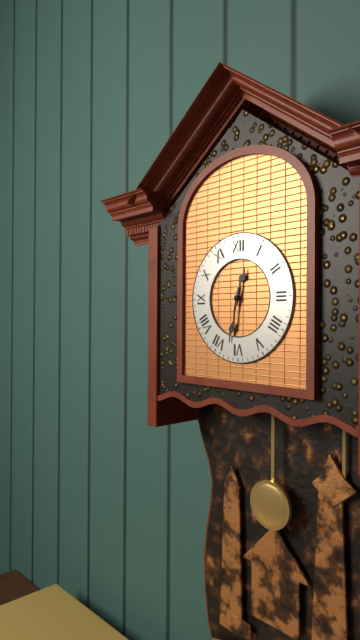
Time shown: **12:32**
